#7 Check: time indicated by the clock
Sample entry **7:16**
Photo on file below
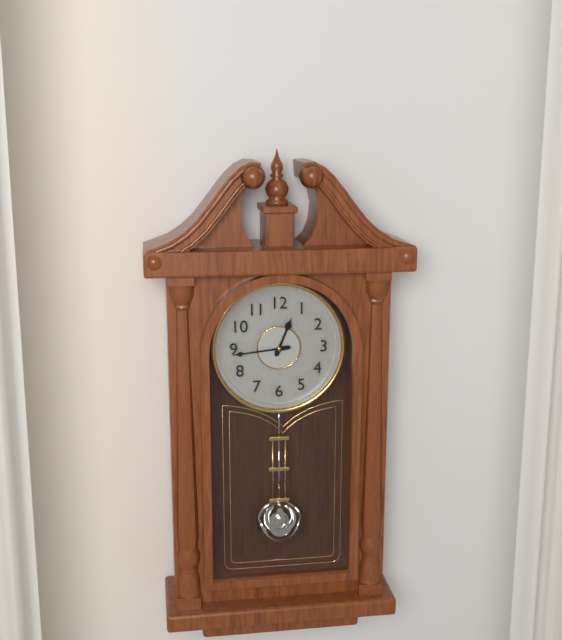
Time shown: **12:44**
